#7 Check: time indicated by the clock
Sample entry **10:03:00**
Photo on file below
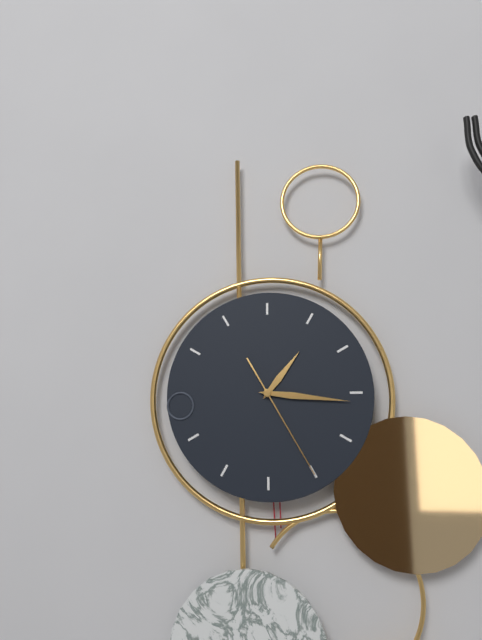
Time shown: **1:16:25**
